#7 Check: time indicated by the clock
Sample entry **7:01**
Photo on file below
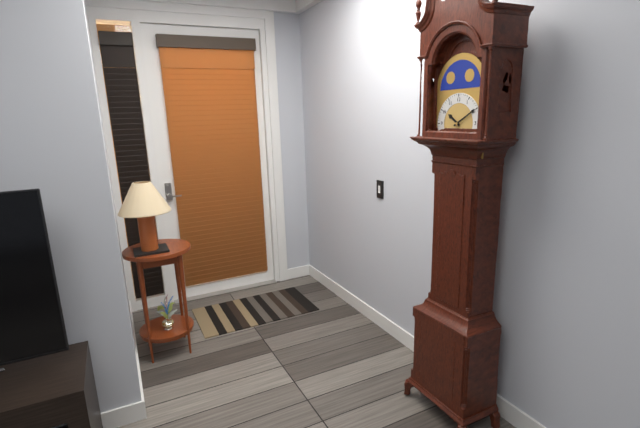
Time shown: **10:10**
